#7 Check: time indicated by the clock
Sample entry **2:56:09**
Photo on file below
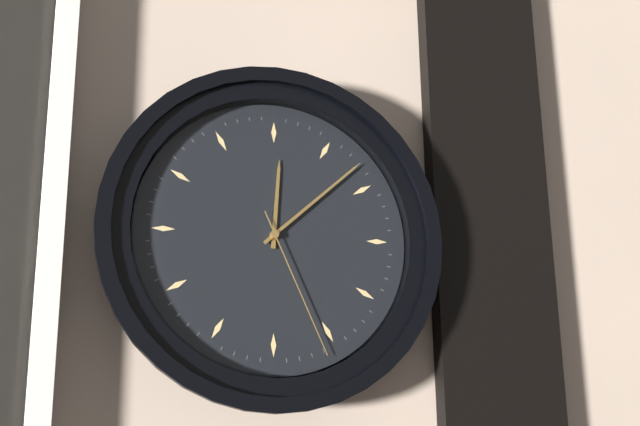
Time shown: **12:08:26**
